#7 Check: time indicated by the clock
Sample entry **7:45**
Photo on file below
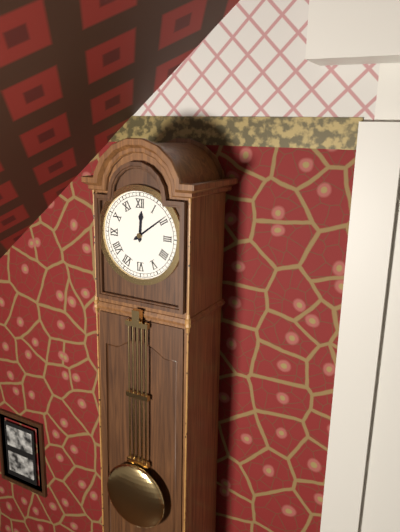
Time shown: **12:09**
